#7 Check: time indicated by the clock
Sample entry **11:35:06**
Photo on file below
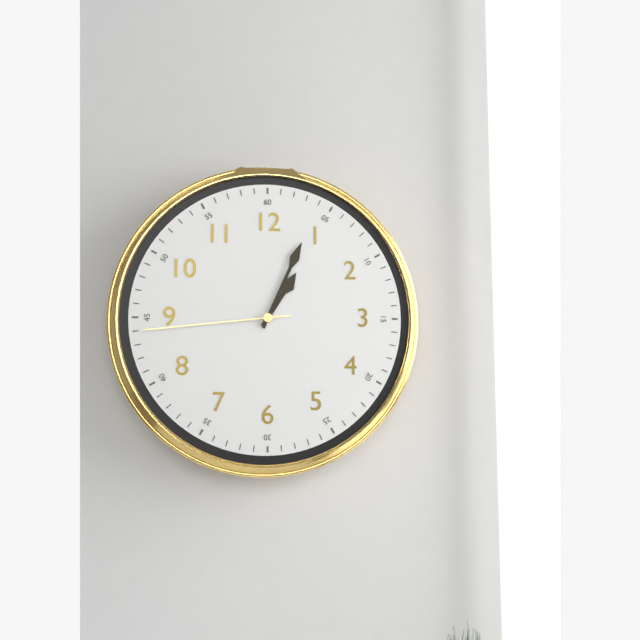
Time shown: **1:04:44**
